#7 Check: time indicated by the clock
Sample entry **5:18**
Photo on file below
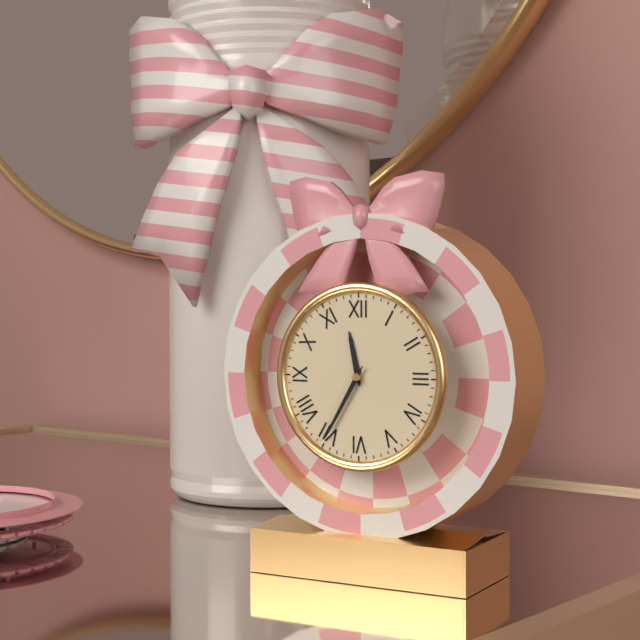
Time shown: **11:35**
